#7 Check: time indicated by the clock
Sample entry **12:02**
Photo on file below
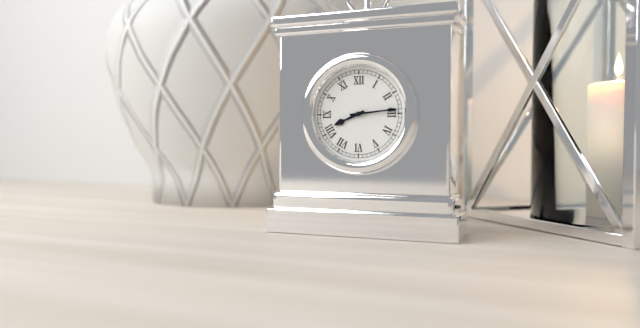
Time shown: **8:14**
